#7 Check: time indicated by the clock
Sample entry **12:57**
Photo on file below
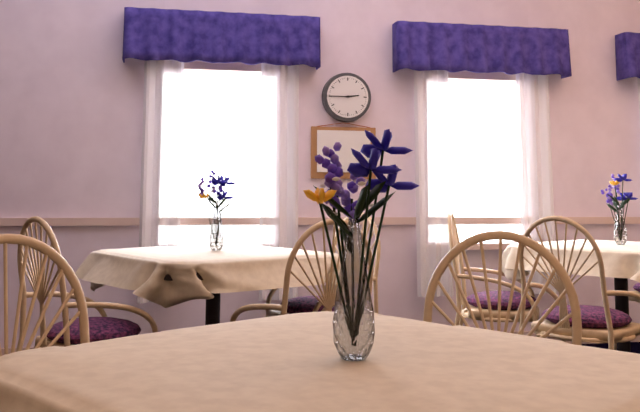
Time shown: **2:45**
